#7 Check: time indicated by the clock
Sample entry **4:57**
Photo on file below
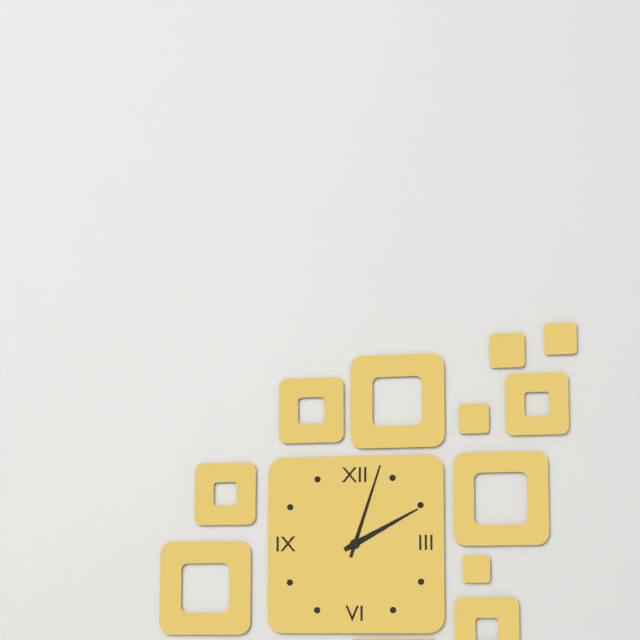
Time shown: **2:03**
